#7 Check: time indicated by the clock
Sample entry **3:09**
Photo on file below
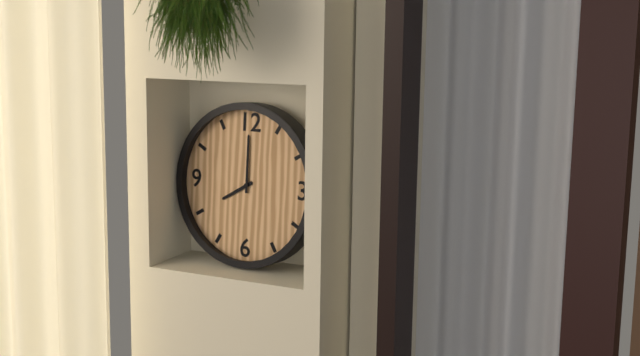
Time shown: **8:00**
